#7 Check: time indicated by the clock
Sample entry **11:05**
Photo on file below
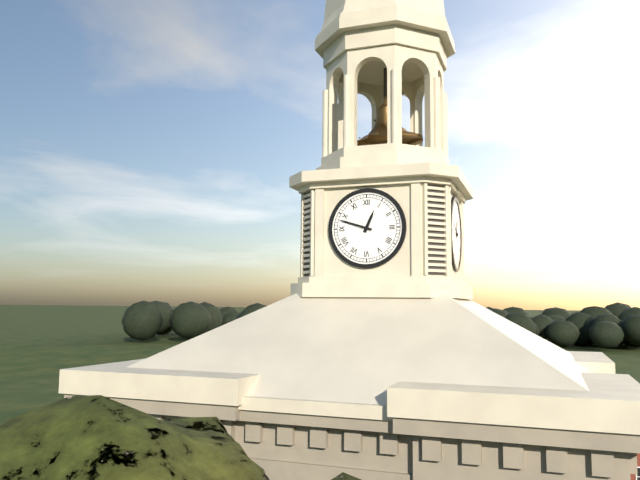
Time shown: **12:48**
